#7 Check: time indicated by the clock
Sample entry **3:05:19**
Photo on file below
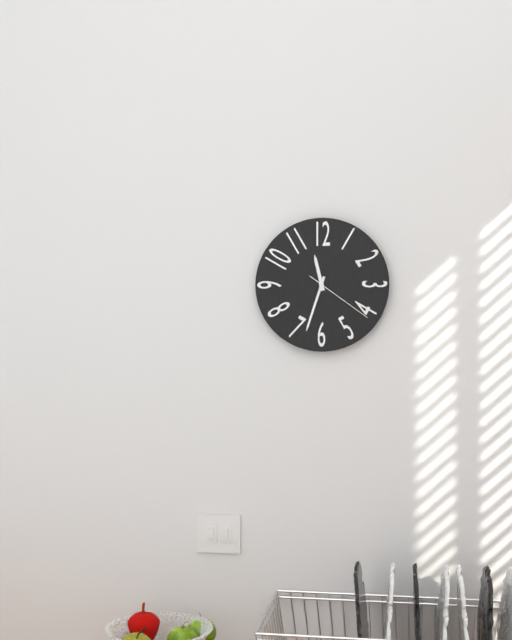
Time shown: **11:33:21**
